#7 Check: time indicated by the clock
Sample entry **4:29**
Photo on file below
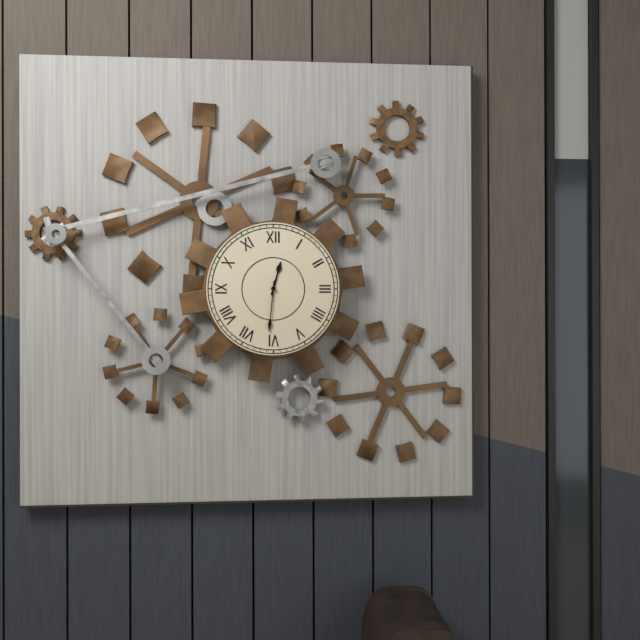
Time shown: **12:31**
